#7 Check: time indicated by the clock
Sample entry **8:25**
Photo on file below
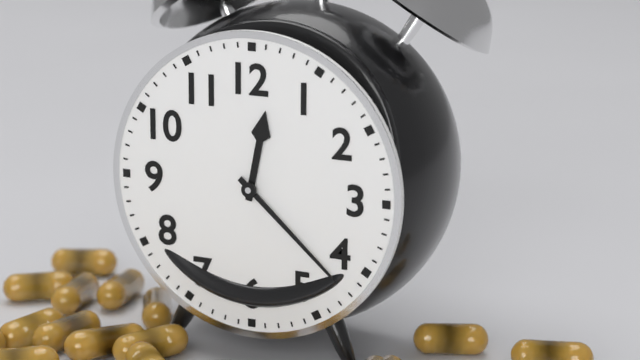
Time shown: **12:22**
